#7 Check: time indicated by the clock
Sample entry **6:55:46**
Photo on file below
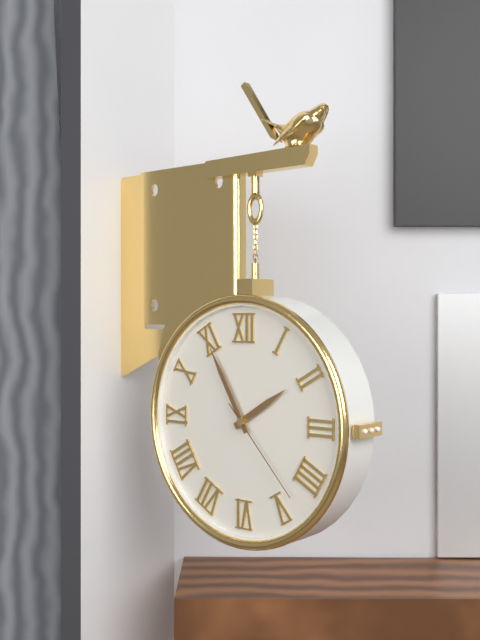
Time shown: **1:55:23**
